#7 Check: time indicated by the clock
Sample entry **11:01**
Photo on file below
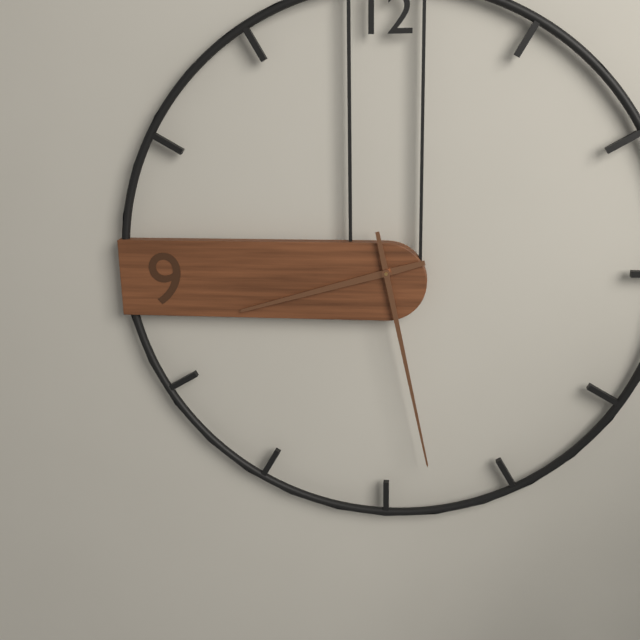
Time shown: **8:28**
